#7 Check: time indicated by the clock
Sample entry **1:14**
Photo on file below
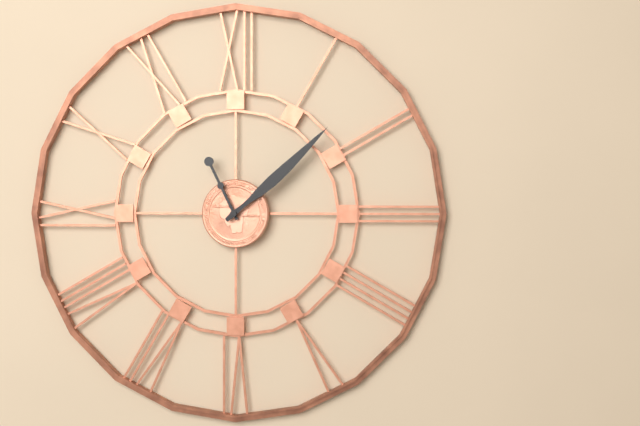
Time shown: **11:08**
